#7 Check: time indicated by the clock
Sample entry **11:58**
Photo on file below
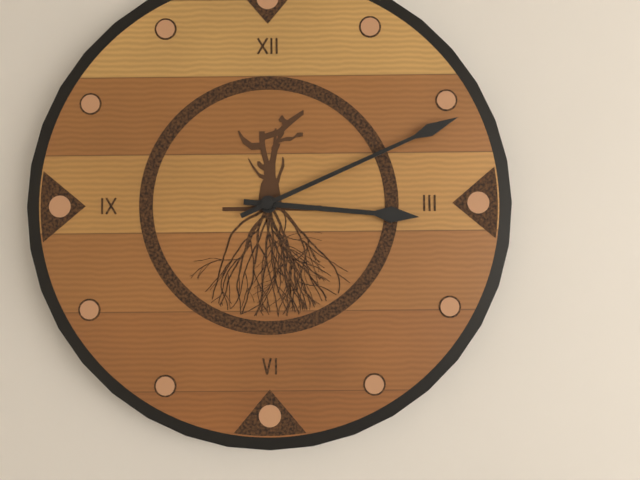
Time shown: **3:11**
